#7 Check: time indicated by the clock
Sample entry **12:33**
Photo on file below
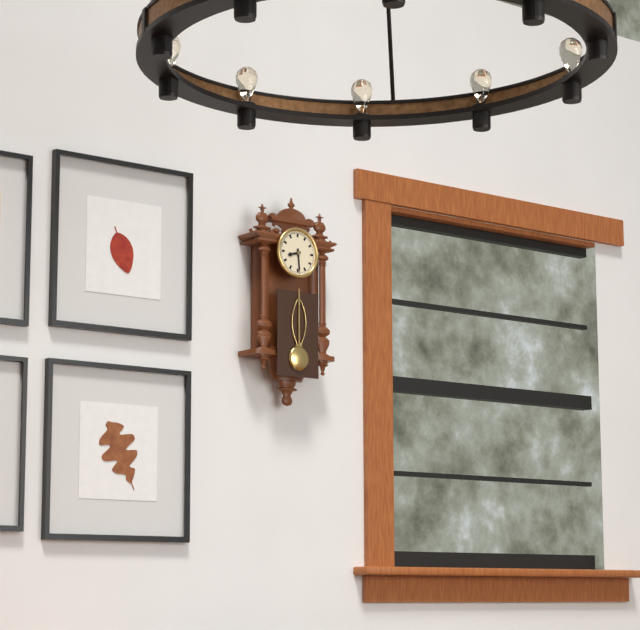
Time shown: **8:29**
